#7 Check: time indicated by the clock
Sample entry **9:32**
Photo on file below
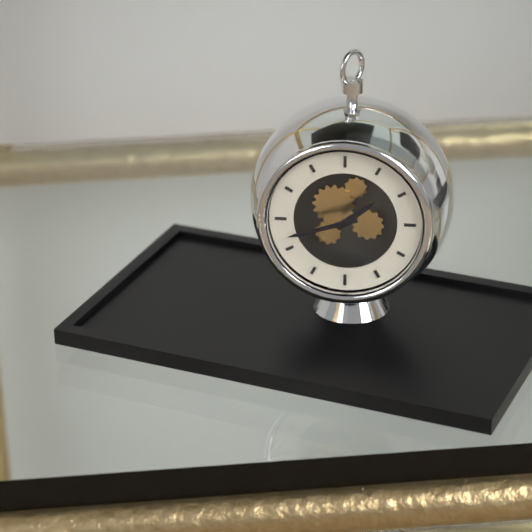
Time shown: **1:42**
